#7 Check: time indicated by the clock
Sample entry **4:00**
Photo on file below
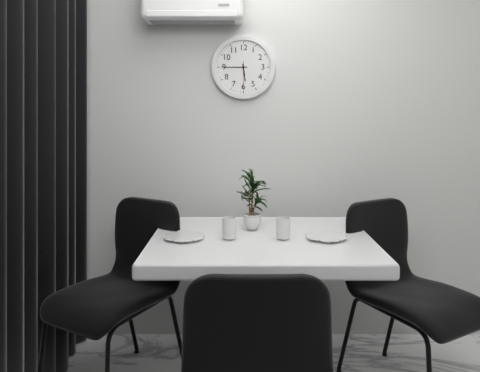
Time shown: **5:45**
